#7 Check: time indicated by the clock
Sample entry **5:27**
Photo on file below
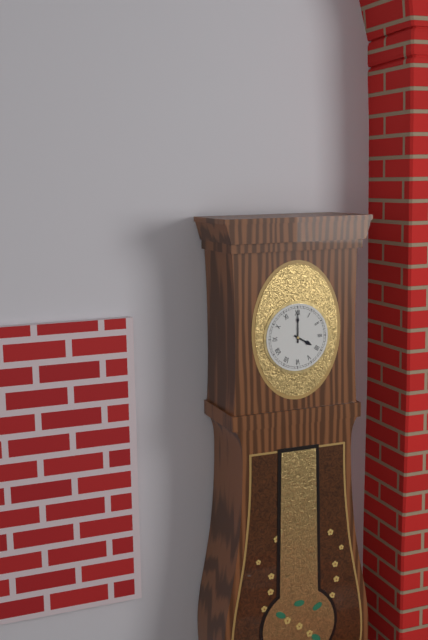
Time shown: **4:00**
